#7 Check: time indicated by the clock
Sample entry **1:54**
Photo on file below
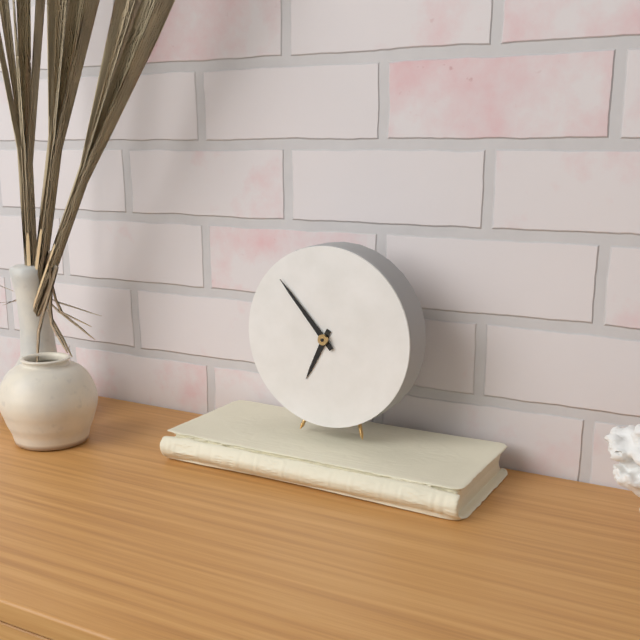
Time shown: **6:53**
